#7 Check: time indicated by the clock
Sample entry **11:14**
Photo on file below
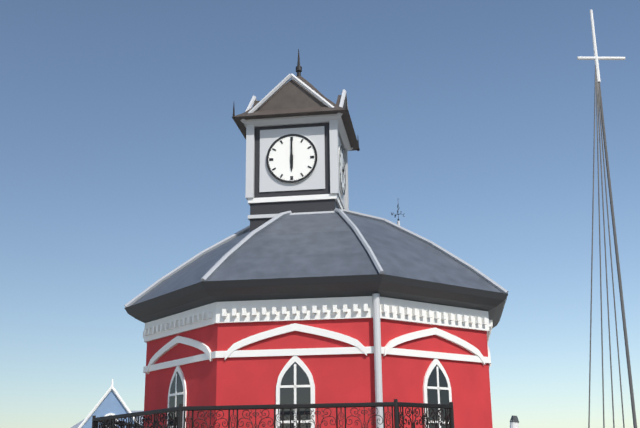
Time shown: **6:00**
